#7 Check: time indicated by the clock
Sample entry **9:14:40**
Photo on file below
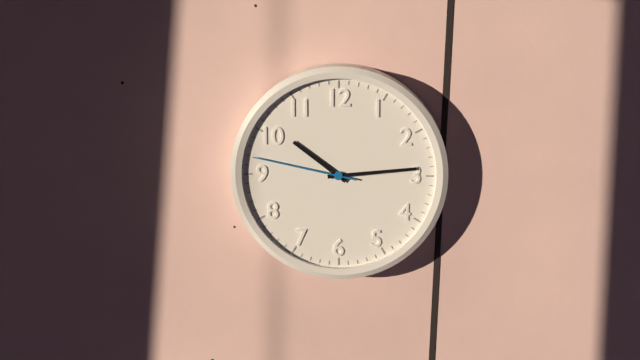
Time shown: **10:14:47**
